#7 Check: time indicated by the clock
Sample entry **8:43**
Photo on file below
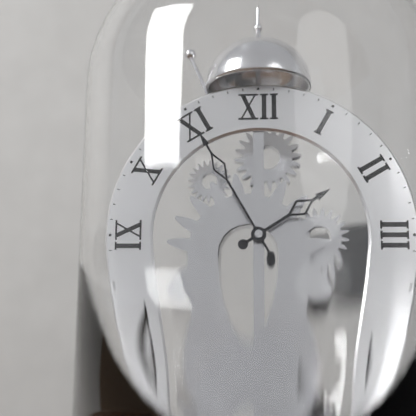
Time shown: **1:55**
